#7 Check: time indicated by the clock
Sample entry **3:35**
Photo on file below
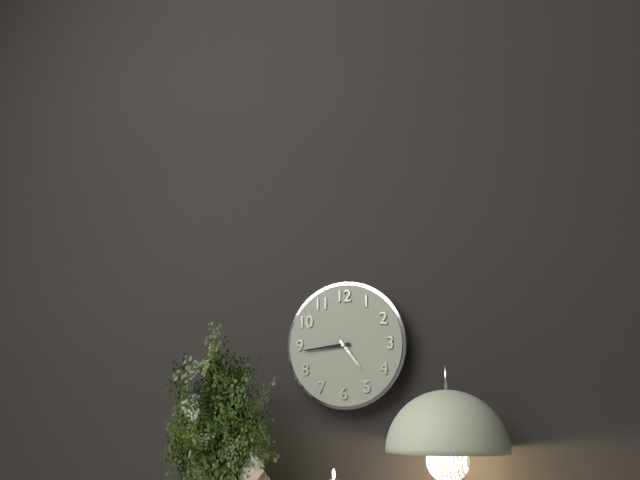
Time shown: **4:44**
